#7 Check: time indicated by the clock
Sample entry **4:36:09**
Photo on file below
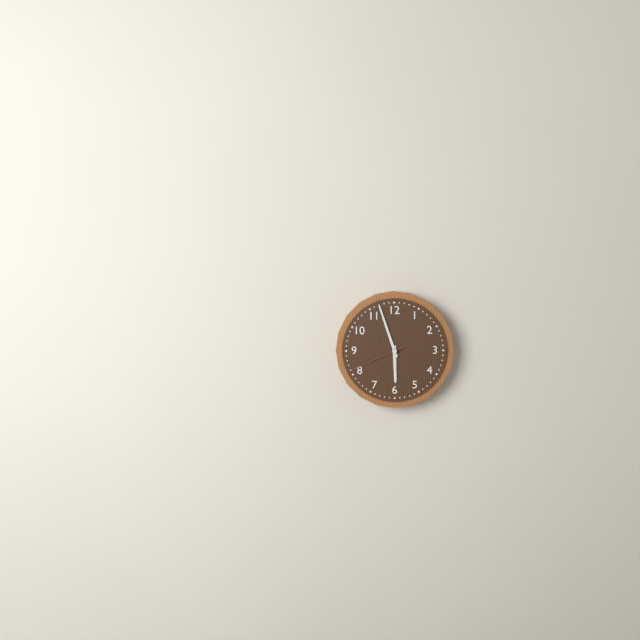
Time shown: **5:57:41**
